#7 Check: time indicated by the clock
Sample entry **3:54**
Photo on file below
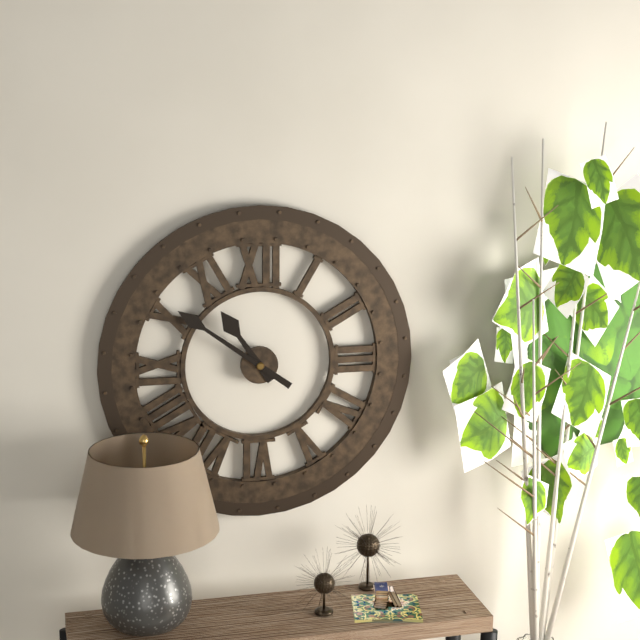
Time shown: **10:51**
